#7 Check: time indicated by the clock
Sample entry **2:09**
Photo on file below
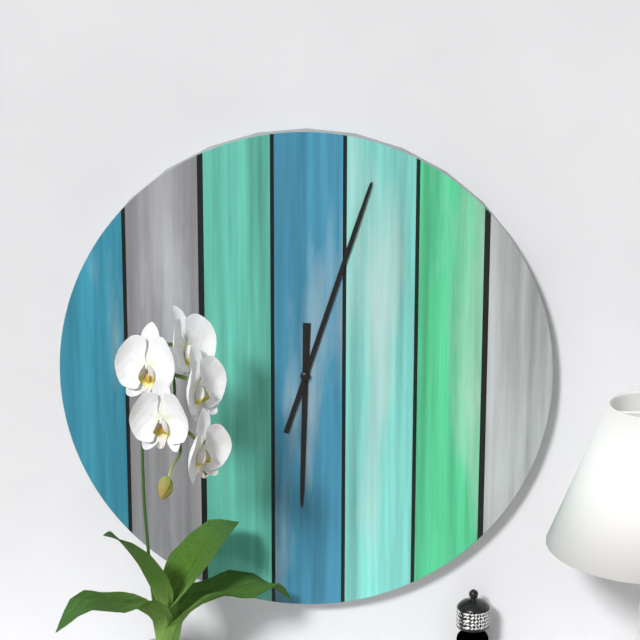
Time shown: **6:03**
